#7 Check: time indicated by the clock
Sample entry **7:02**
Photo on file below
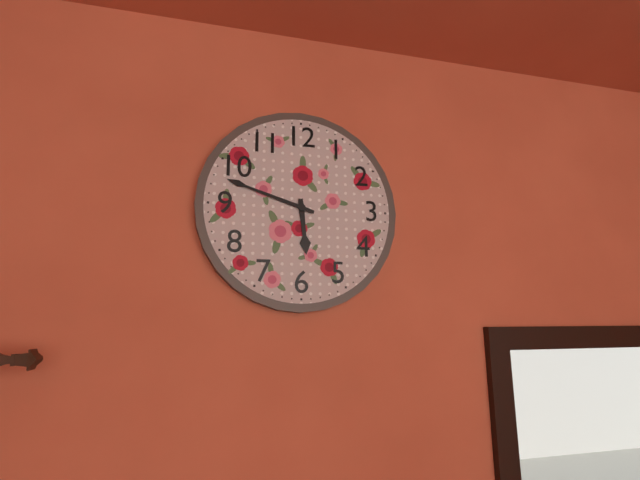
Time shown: **5:48**
